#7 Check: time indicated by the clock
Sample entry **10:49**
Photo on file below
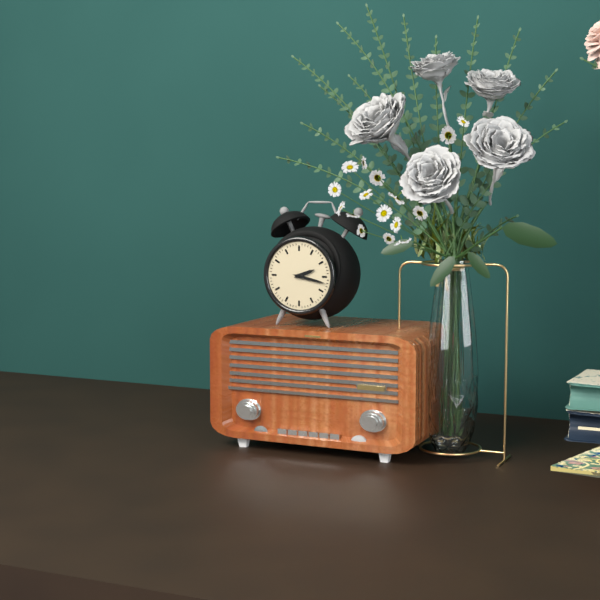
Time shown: **2:17**
